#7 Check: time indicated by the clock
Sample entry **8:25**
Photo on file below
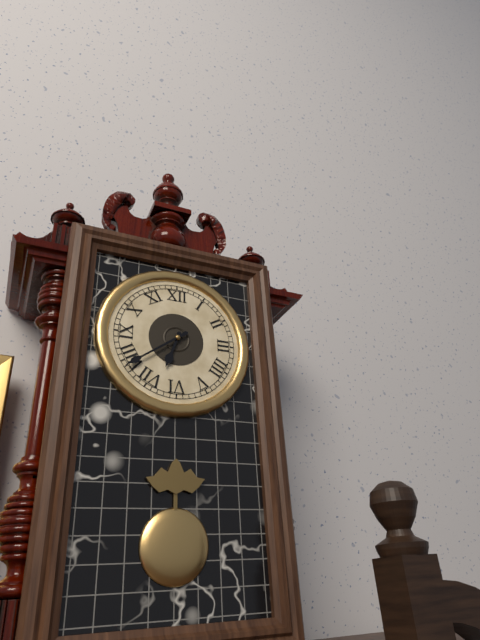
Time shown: **6:39**
